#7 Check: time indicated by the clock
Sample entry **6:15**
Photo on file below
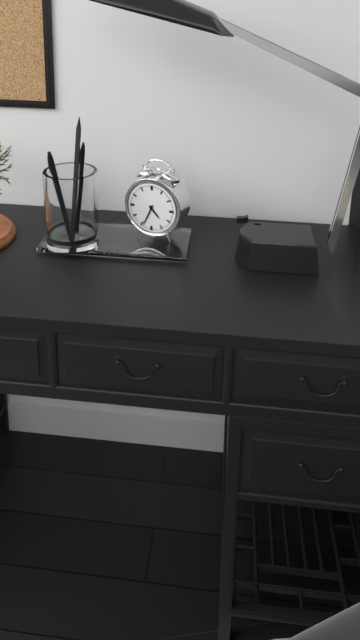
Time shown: **4:34**
